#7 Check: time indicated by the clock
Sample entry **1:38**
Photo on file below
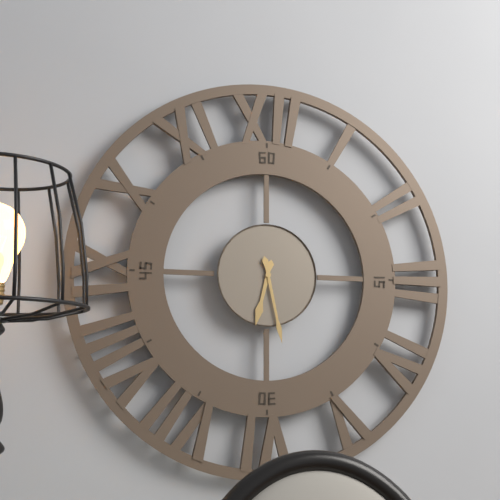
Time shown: **6:28**
